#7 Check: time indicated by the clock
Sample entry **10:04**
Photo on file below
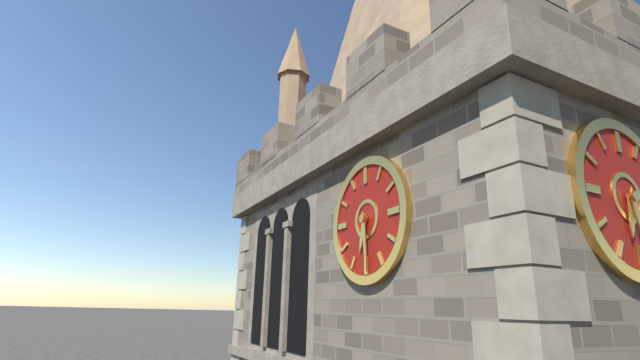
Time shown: **6:29**
